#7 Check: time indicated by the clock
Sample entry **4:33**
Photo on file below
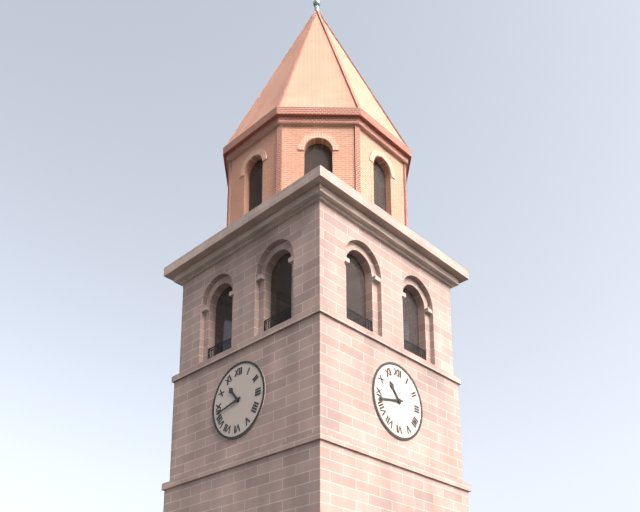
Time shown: **10:43**
